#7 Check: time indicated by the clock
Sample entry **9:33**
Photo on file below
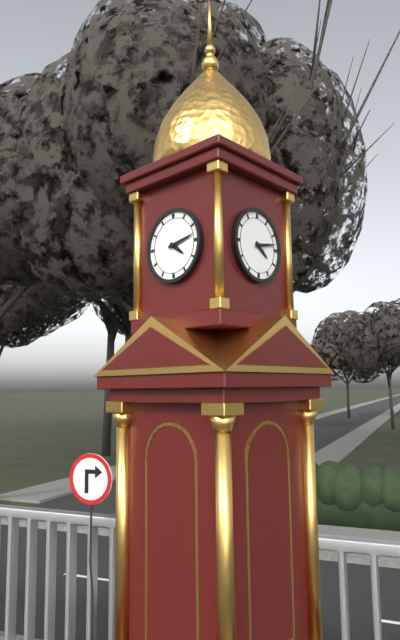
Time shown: **4:13**
